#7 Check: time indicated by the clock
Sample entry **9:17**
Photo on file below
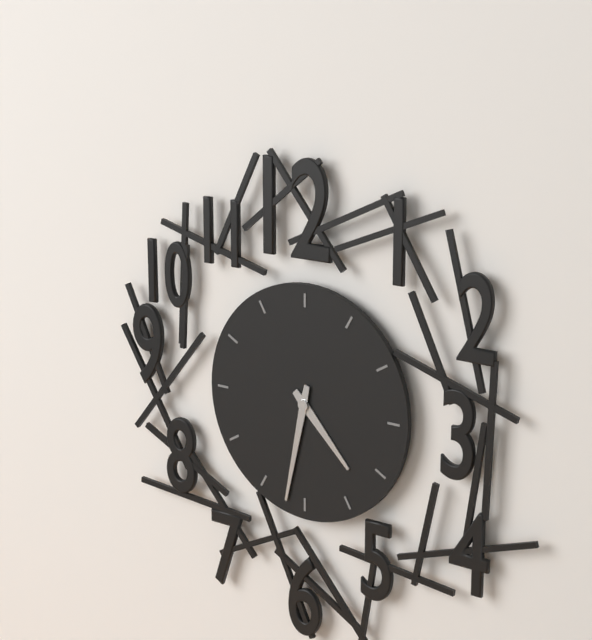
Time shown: **4:32**
